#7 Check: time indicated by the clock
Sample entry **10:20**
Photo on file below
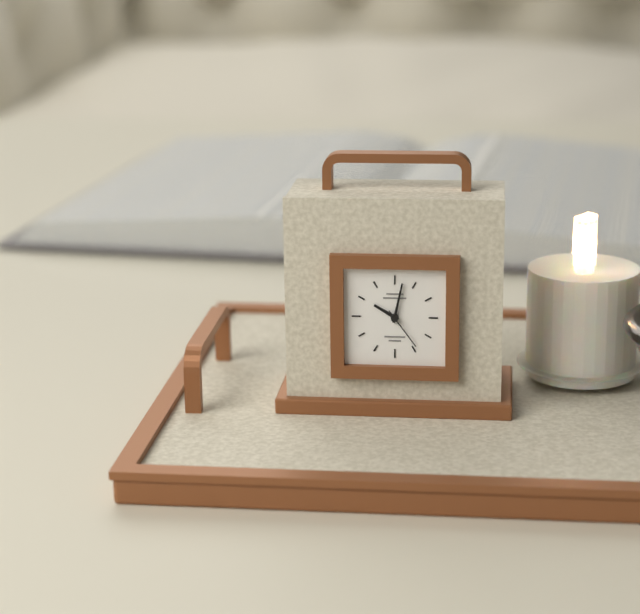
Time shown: **10:02**
